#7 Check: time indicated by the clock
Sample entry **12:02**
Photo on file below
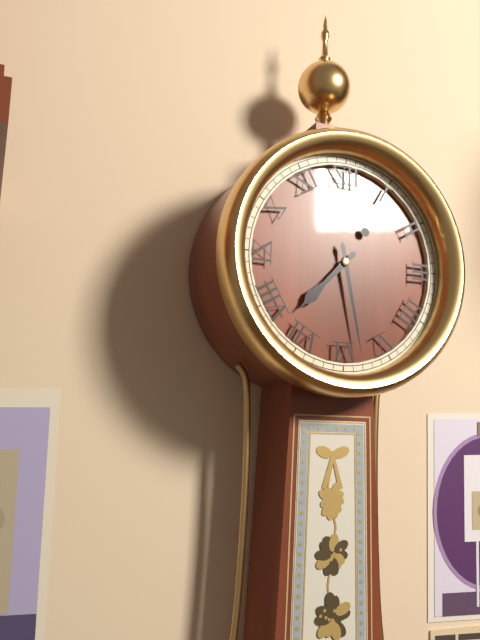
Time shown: **7:28**
